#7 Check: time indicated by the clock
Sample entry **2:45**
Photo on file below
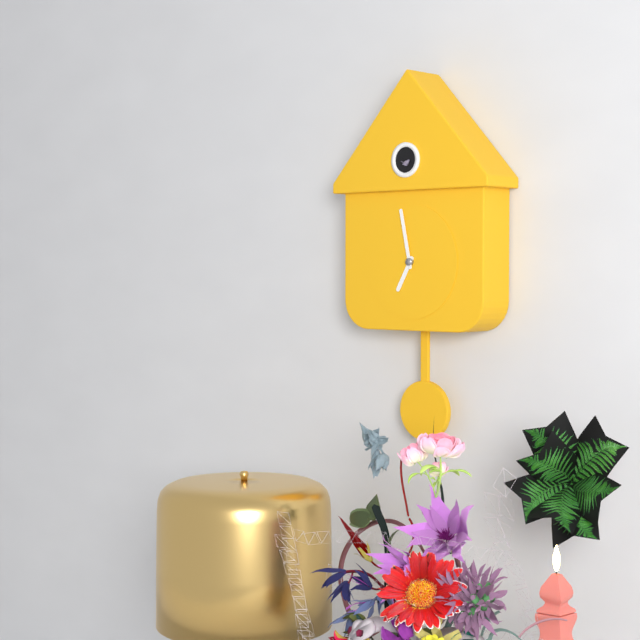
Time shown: **6:58**
